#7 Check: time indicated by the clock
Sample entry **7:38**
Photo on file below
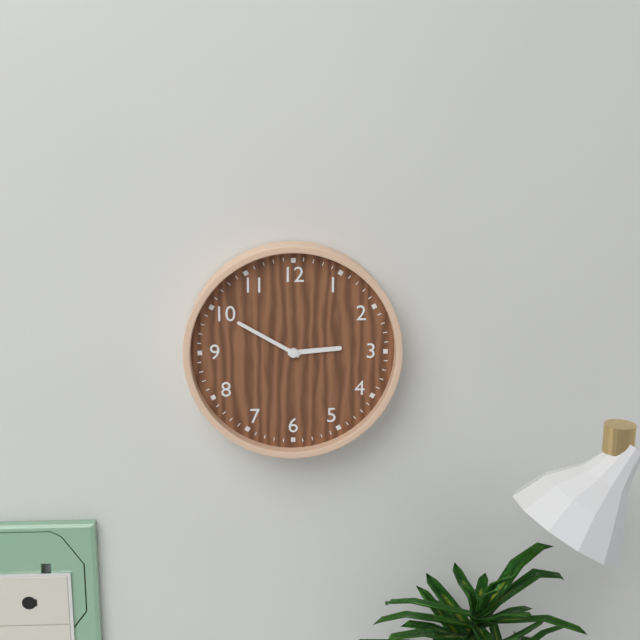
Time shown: **2:50**
